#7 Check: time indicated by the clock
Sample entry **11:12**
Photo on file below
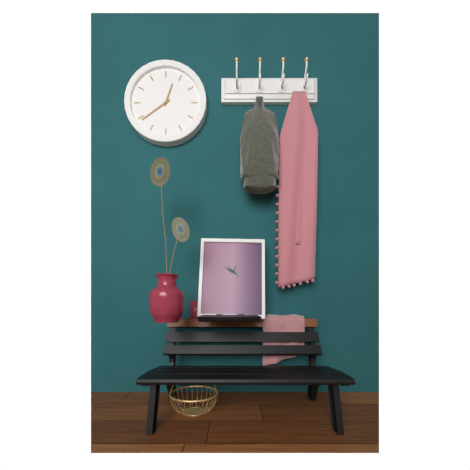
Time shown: **12:39**
